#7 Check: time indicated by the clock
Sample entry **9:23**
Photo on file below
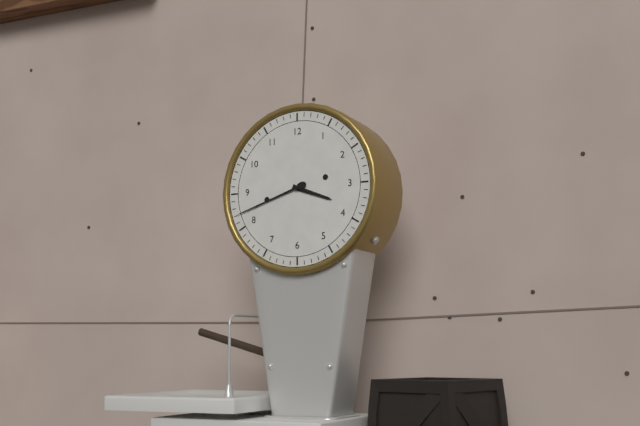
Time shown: **3:42**
